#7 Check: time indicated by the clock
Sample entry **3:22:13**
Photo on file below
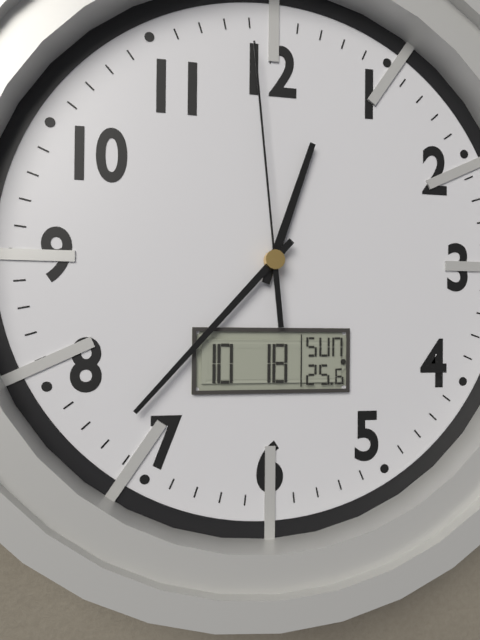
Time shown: **12:37:59**
